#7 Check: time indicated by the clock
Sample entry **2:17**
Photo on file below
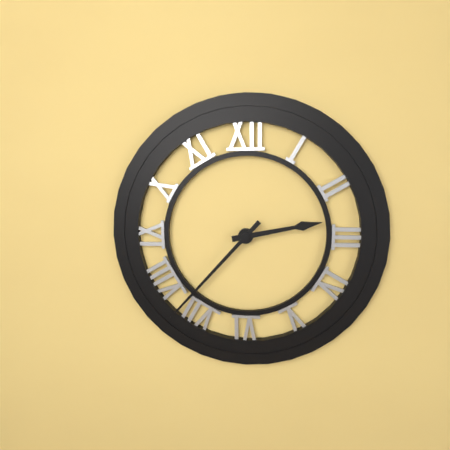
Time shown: **2:37**
